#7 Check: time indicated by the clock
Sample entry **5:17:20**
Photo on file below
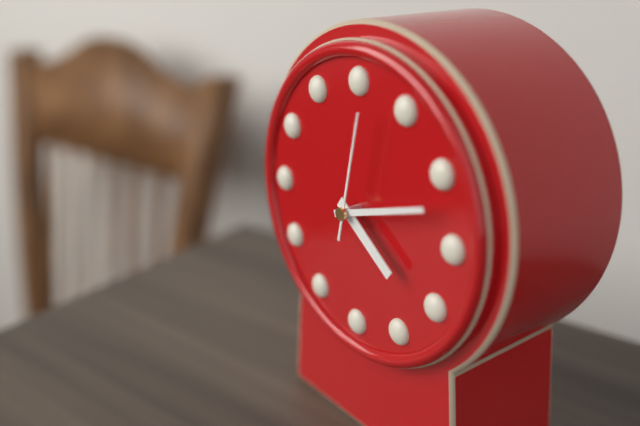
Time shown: **4:12:02**
